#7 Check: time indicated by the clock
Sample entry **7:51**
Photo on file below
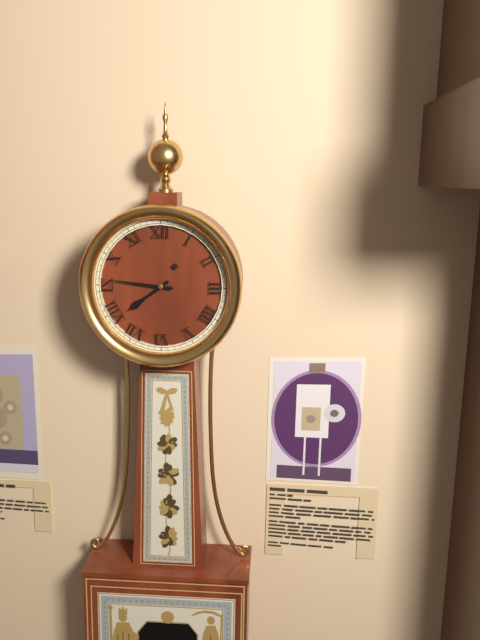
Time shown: **7:46**
